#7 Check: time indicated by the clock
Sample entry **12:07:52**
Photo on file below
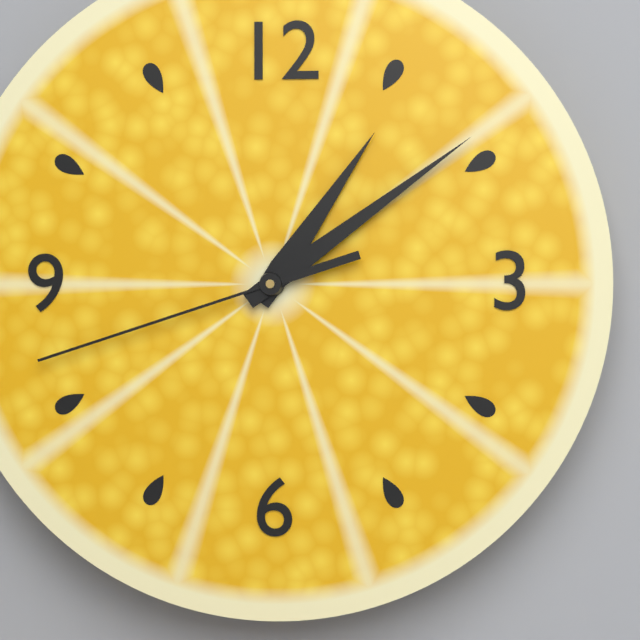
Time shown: **1:09:42**
